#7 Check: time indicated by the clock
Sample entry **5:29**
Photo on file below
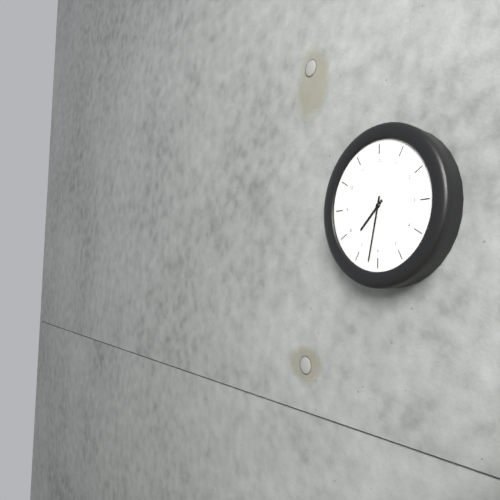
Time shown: **7:32**
